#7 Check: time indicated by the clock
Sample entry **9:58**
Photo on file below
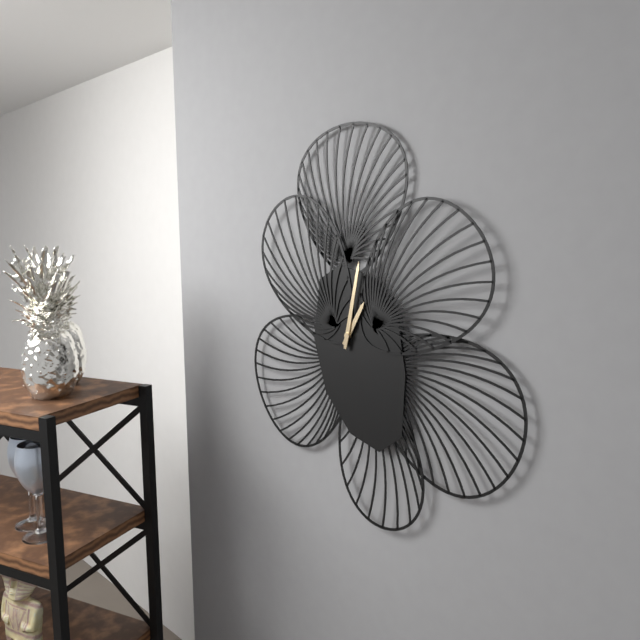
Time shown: **1:02**
